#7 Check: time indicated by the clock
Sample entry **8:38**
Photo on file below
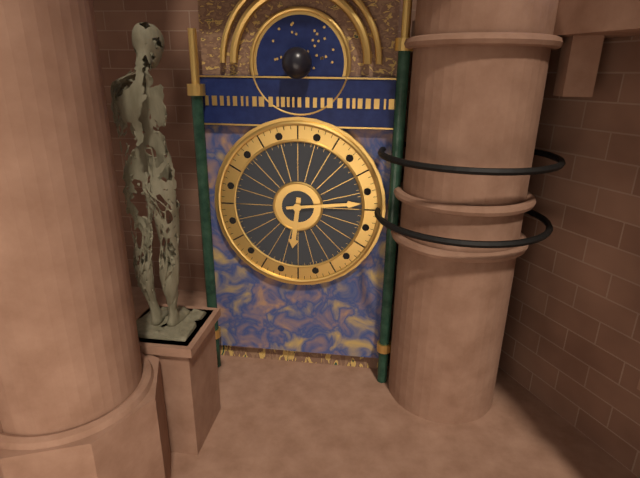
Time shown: **6:14**
